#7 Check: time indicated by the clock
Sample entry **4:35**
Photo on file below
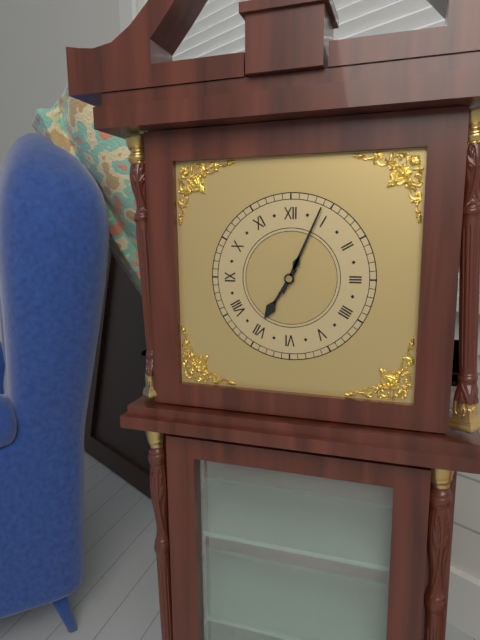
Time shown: **7:04**
